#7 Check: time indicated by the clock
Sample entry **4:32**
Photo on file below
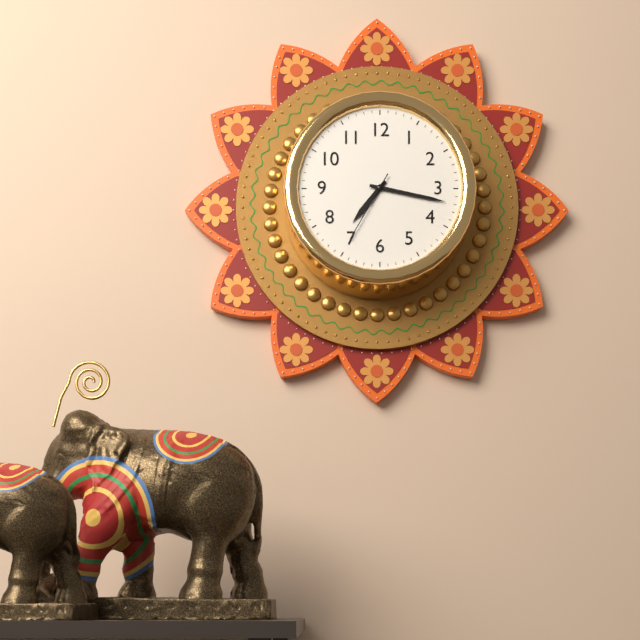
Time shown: **7:17**
